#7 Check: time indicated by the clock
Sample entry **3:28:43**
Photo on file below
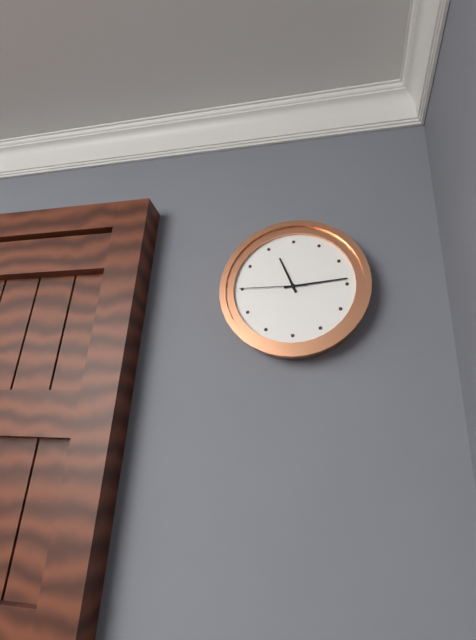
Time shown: **11:14:45**
